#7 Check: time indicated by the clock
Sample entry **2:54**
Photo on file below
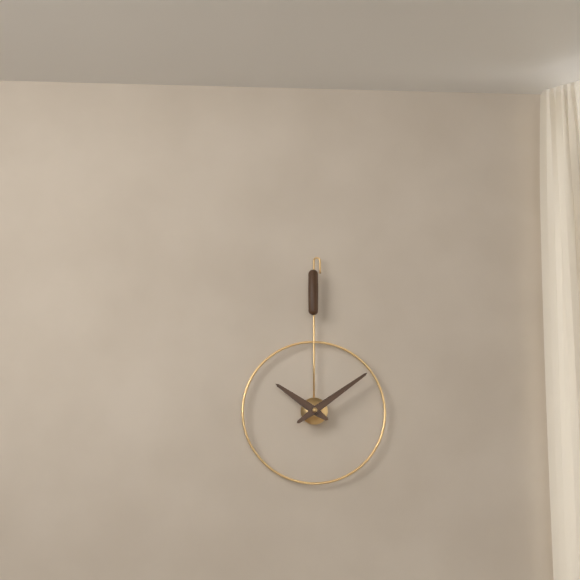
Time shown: **10:09**
